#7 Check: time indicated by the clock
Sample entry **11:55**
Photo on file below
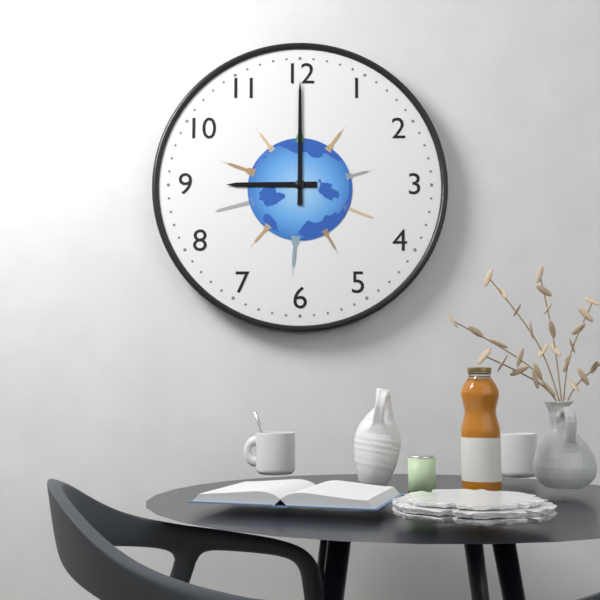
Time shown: **9:00**
